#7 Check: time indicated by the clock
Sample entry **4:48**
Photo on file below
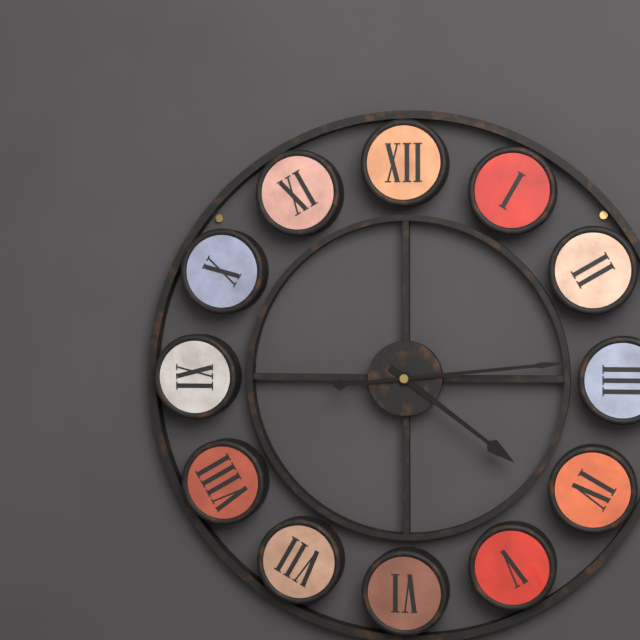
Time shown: **4:14**
